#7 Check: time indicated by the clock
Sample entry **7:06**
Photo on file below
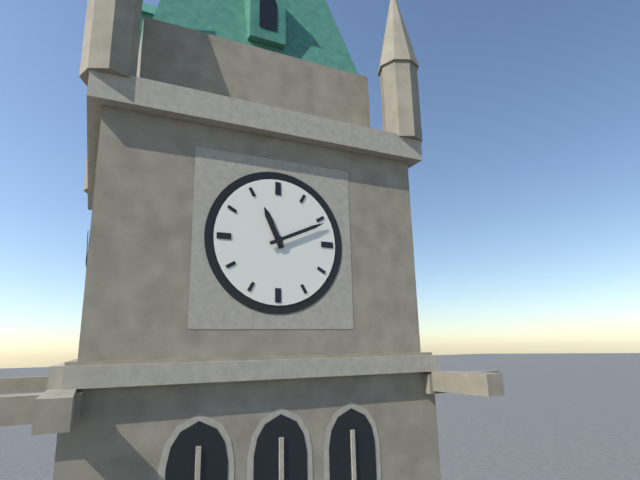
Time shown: **11:11**
